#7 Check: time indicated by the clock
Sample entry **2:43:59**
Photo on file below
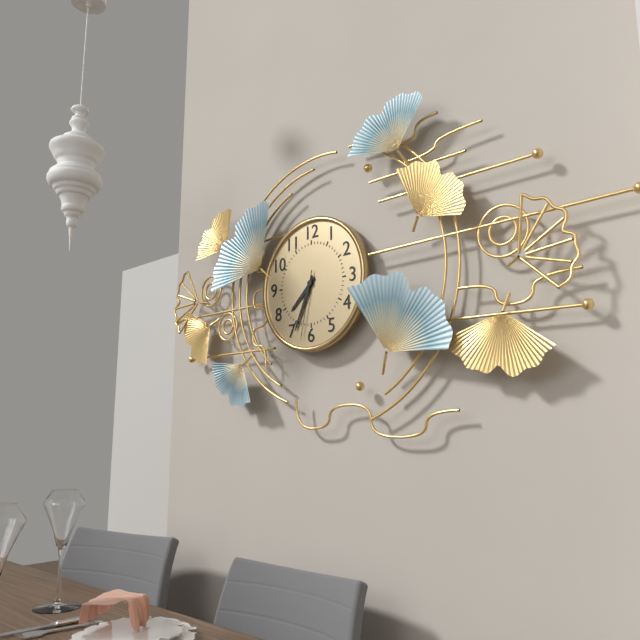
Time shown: **7:34:32**
